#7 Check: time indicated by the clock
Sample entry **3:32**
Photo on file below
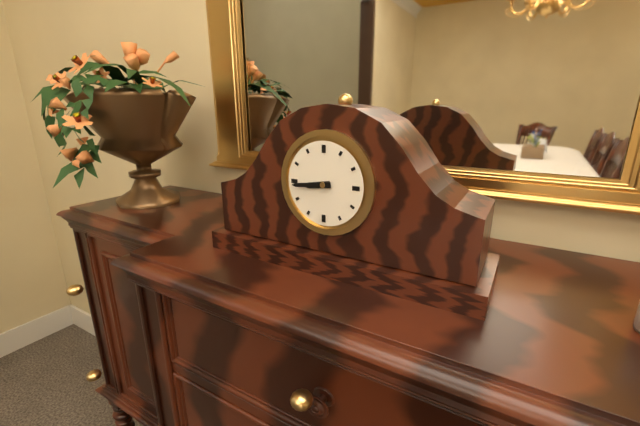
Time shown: **8:44**
